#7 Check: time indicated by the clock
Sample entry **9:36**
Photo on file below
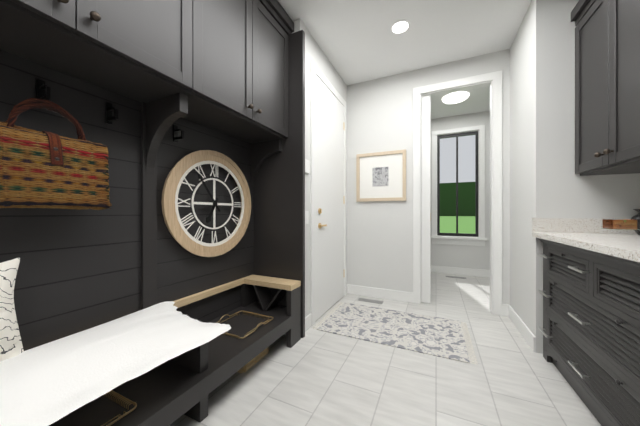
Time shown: **6:54**
